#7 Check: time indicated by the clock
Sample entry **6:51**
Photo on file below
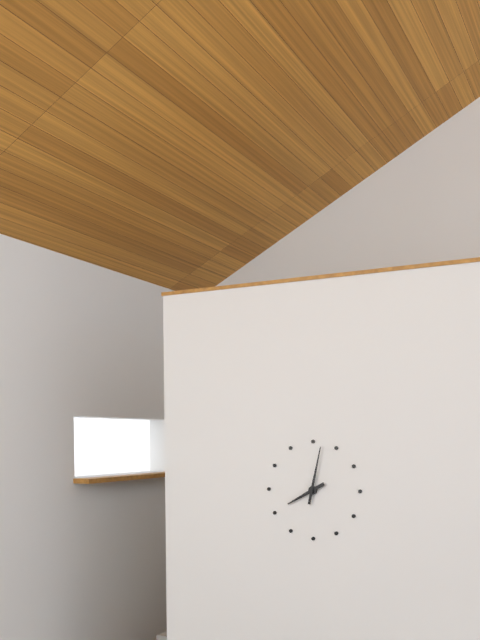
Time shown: **8:02**
